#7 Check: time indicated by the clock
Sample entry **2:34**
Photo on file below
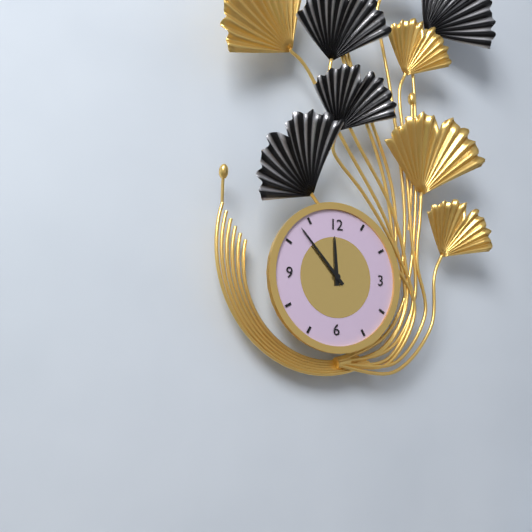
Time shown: **11:53**
